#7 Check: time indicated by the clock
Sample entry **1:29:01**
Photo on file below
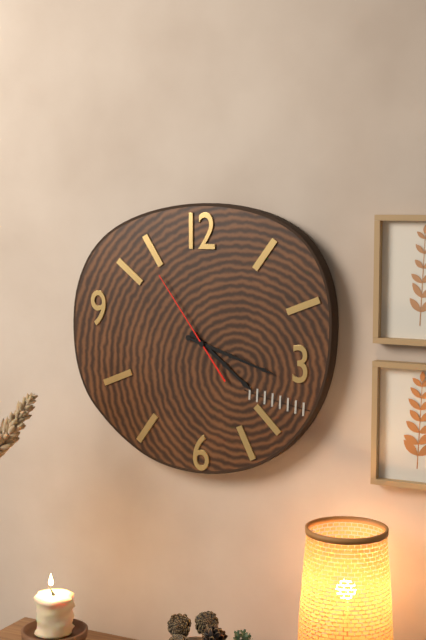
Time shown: **4:18:54**
